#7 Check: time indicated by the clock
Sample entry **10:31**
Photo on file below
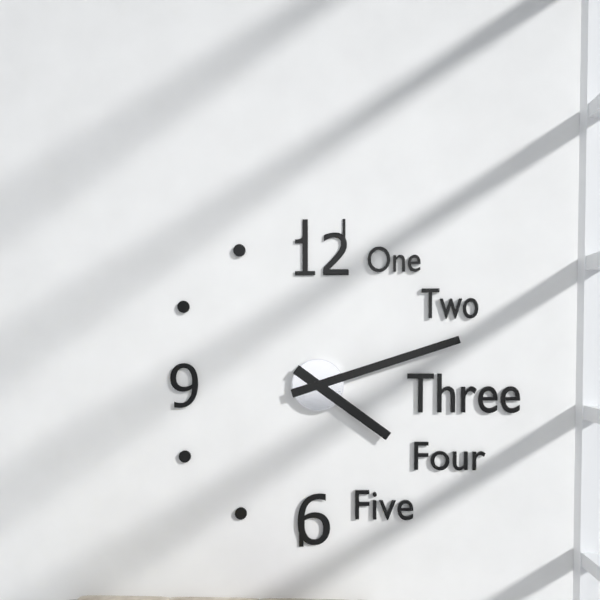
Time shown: **4:12**
